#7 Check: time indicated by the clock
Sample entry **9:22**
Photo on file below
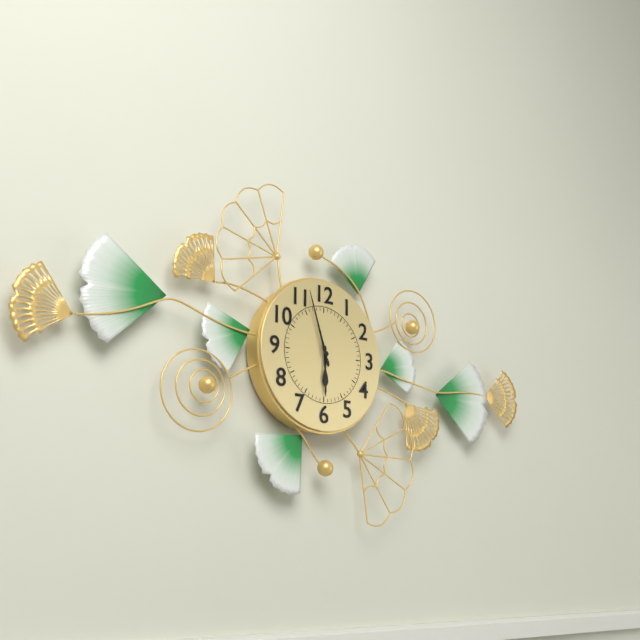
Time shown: **5:57**
